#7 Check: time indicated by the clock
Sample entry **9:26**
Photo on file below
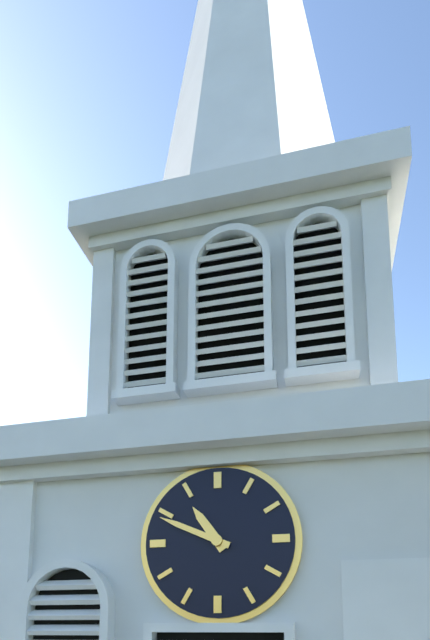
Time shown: **10:49**
